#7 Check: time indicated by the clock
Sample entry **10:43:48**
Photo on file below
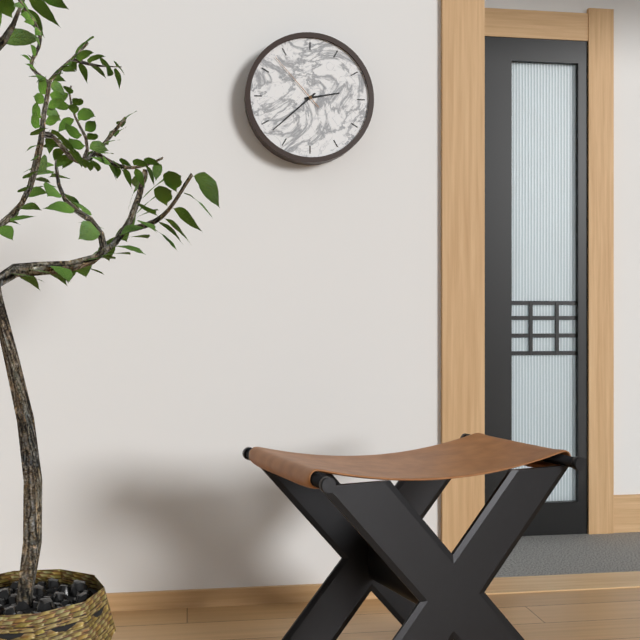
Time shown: **2:38:53**
